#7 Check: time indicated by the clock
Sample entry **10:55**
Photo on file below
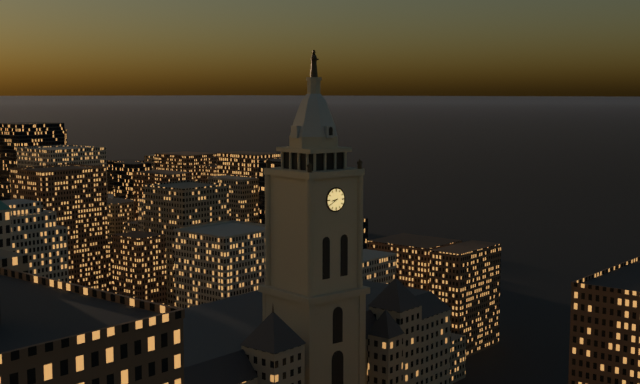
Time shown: **8:40**
